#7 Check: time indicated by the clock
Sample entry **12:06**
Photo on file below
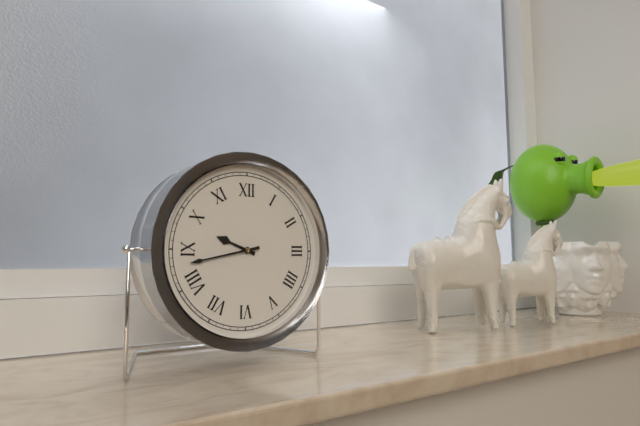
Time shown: **9:43**
